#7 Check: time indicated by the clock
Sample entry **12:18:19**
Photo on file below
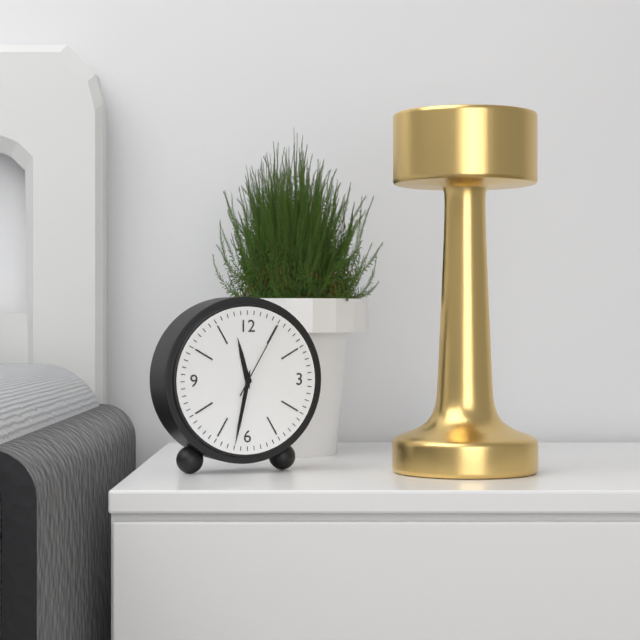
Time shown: **11:32:05**
